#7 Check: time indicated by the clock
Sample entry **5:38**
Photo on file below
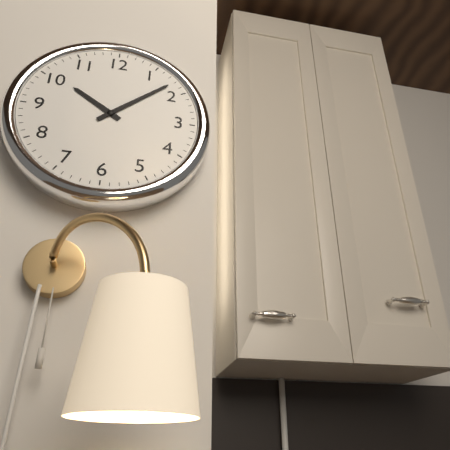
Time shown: **10:08**
